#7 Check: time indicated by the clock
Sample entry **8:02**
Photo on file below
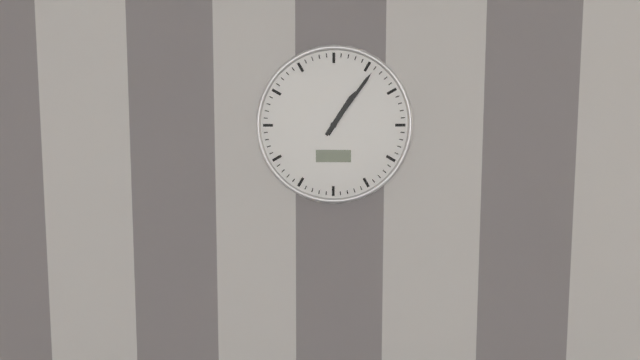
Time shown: **1:06**
